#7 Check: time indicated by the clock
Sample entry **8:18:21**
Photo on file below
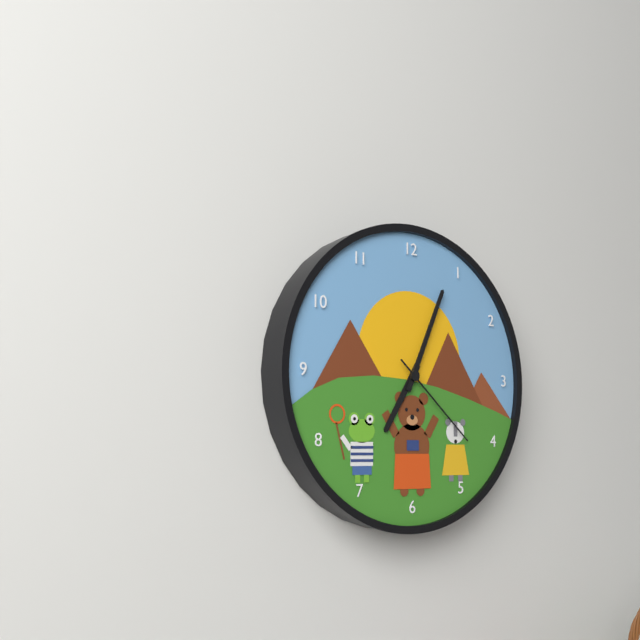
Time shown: **7:04:22**
